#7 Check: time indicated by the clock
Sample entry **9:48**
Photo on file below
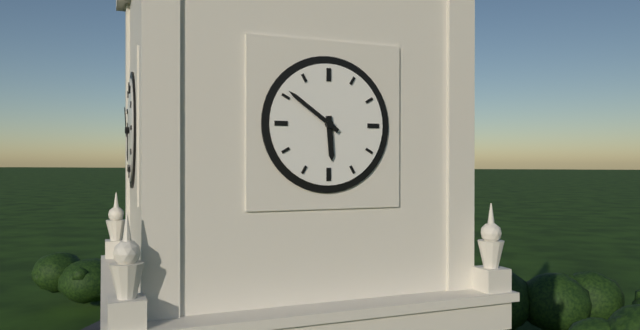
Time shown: **5:51**
